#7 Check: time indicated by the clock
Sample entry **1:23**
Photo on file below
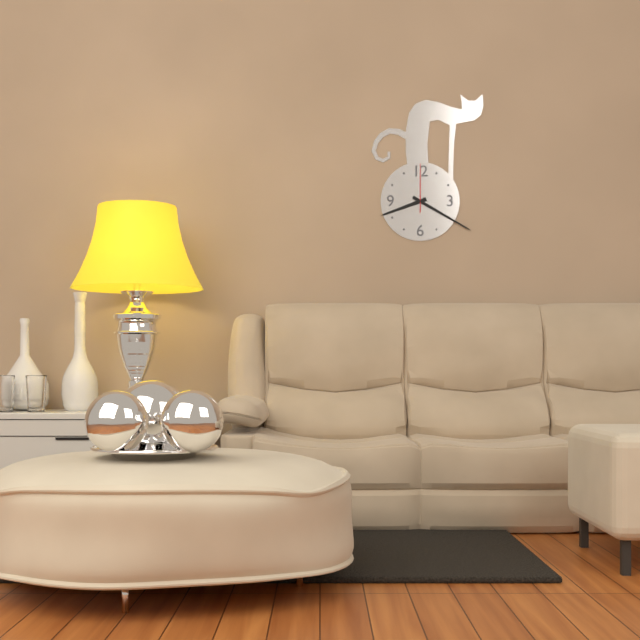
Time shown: **8:20**
